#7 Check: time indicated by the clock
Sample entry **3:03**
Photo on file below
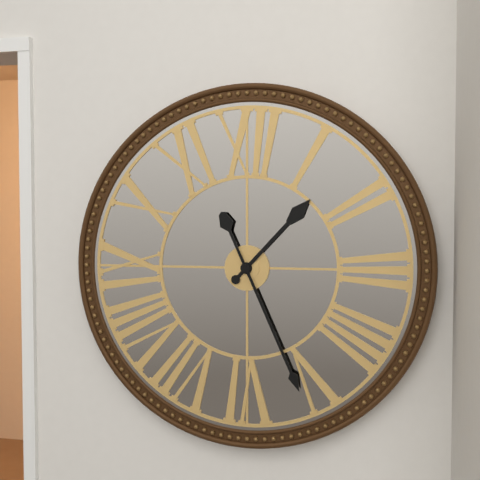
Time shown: **1:26**
